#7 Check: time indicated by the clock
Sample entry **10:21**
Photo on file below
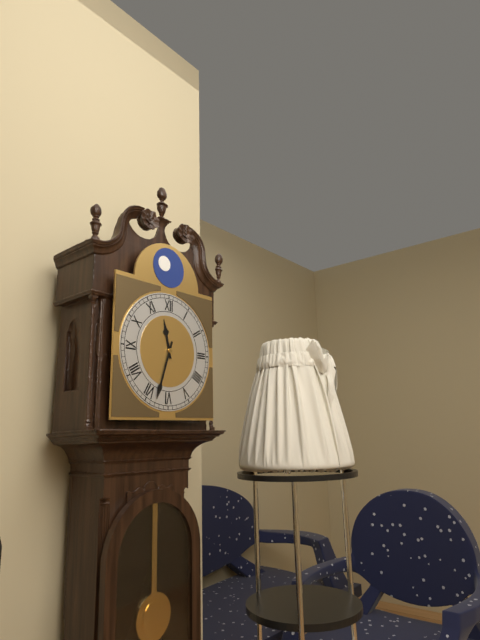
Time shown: **11:33**
